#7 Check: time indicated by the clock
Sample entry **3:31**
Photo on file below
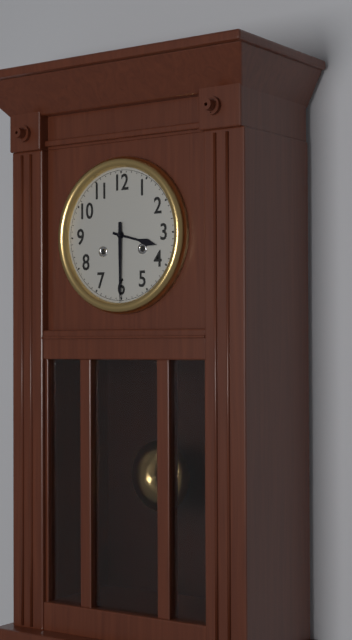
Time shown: **3:30**
